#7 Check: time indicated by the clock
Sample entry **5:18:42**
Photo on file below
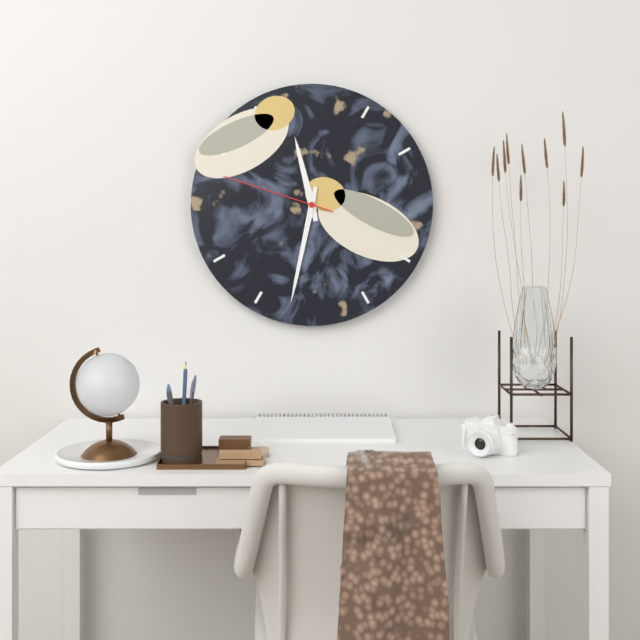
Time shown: **11:32:48**
